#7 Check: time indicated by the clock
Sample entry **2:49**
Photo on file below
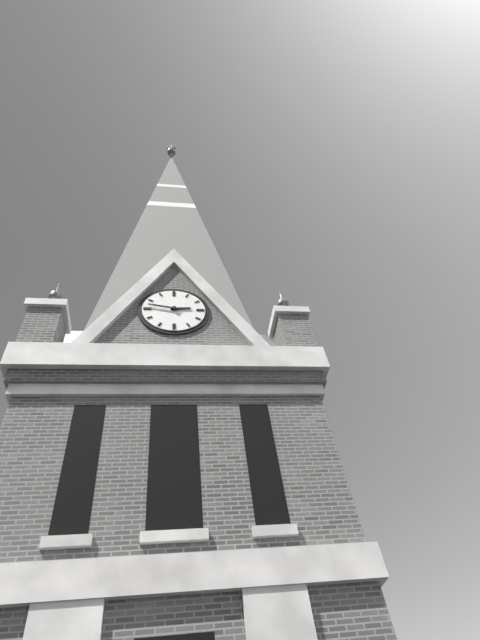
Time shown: **2:47**
